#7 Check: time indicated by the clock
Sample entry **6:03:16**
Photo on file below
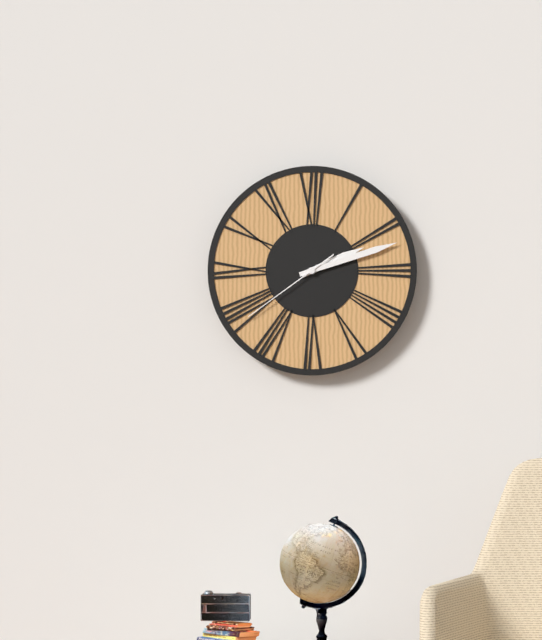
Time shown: **2:12:39**
